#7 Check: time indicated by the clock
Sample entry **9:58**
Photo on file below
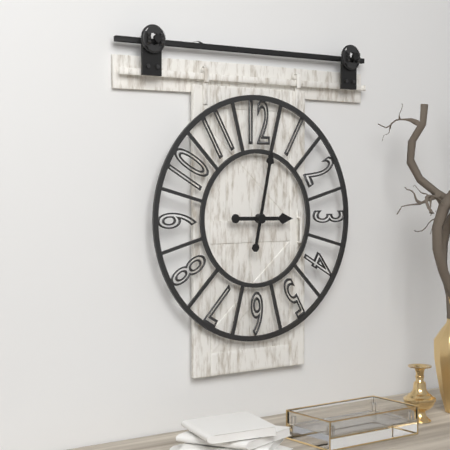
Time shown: **3:02**
